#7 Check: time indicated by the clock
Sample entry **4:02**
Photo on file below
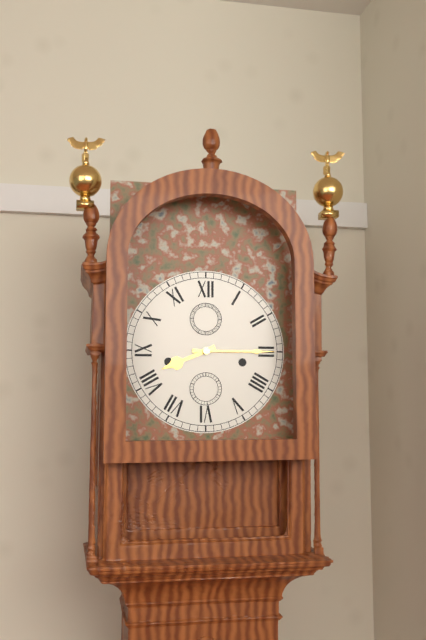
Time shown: **8:15**
